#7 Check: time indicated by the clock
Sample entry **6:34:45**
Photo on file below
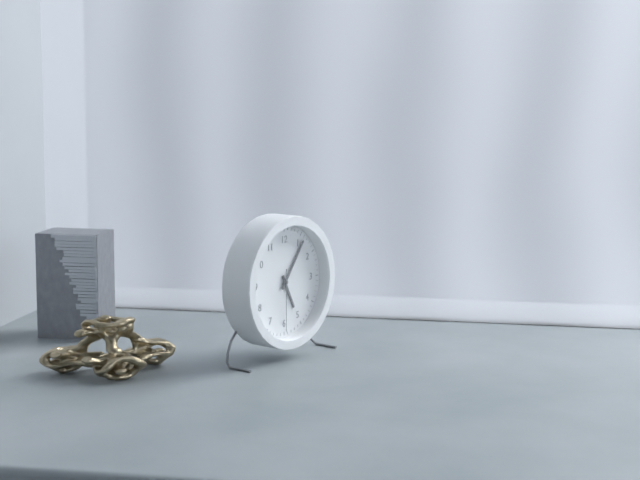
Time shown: **5:06:30**
